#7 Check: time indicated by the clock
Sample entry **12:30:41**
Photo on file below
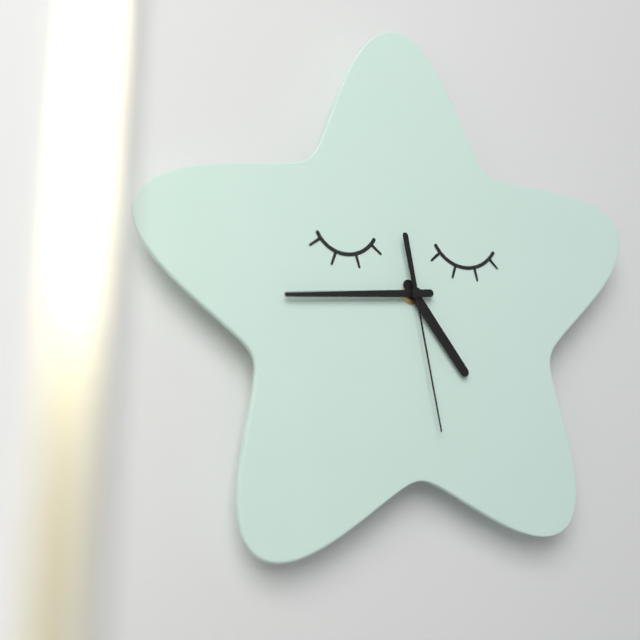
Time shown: **4:44:28**
